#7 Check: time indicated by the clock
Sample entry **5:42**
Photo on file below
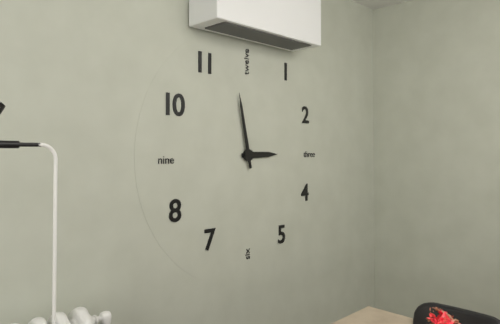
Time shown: **2:58**
